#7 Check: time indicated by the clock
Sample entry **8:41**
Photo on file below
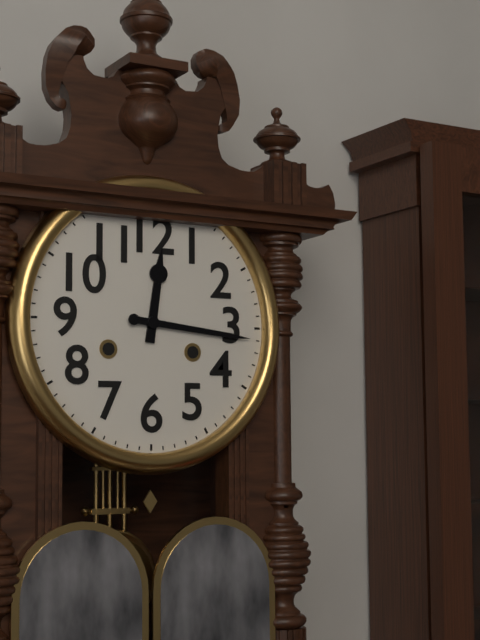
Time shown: **12:16**
